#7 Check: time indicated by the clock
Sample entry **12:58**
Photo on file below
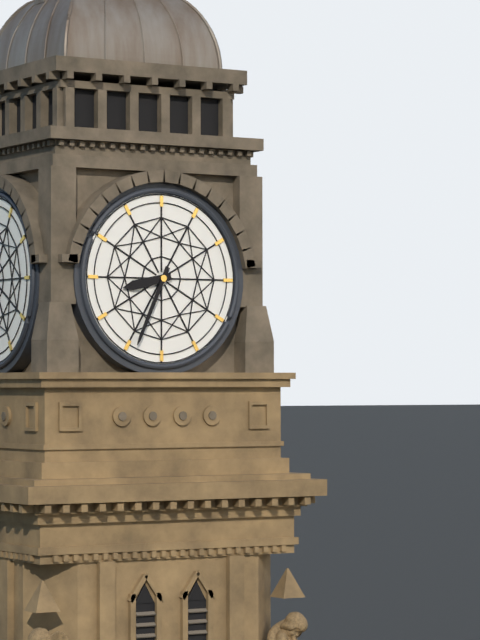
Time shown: **8:34**
